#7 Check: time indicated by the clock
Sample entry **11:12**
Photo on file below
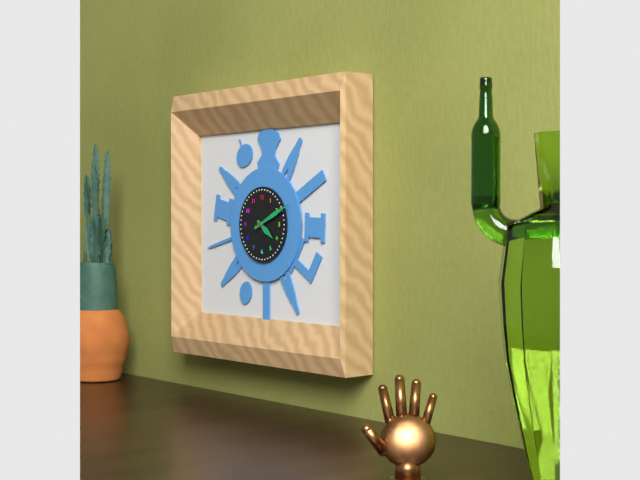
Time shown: **4:11**
